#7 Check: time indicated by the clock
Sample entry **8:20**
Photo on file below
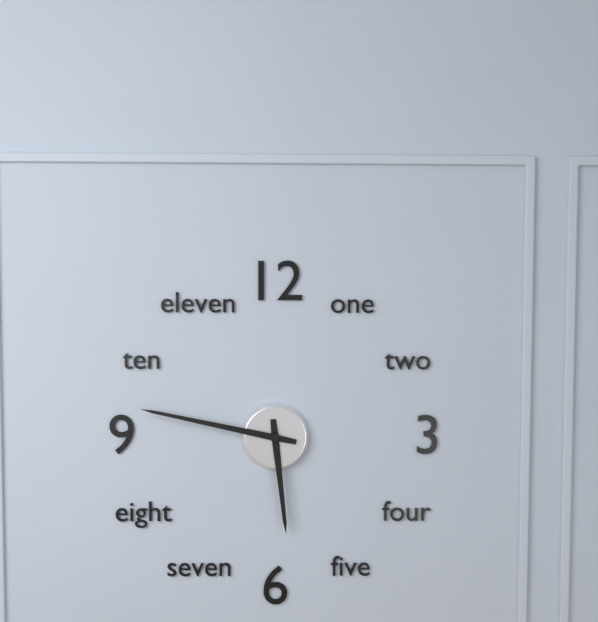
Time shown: **5:47**
